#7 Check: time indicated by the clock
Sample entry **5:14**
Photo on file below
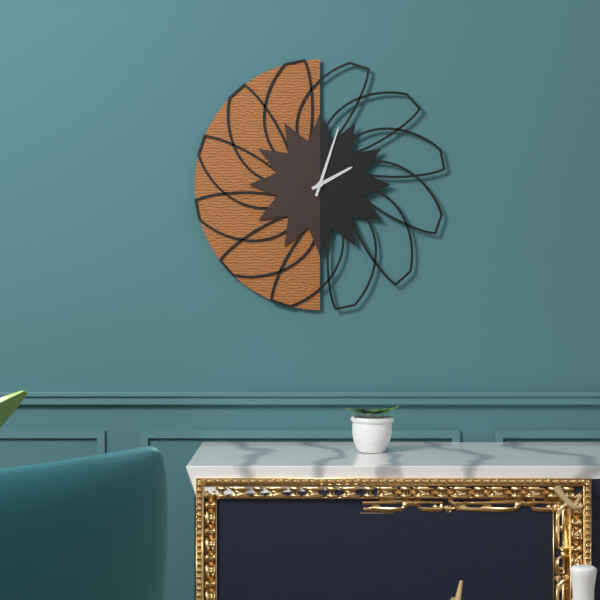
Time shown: **2:03**
